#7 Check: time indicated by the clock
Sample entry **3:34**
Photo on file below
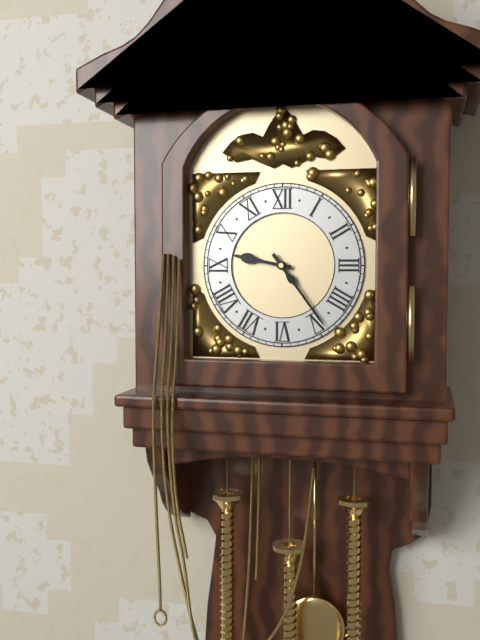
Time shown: **9:24**
